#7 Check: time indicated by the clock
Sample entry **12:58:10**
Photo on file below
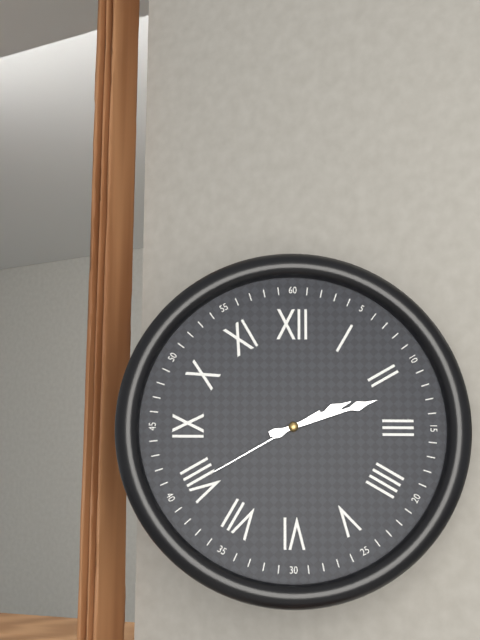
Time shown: **2:12:40**
